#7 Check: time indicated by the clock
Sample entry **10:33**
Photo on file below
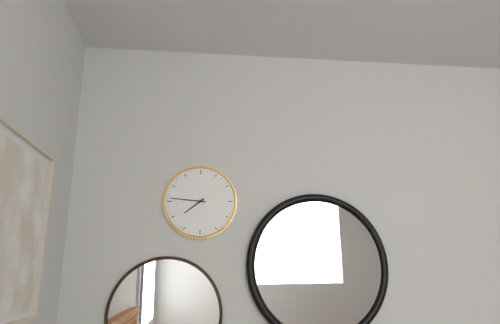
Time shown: **7:46**
